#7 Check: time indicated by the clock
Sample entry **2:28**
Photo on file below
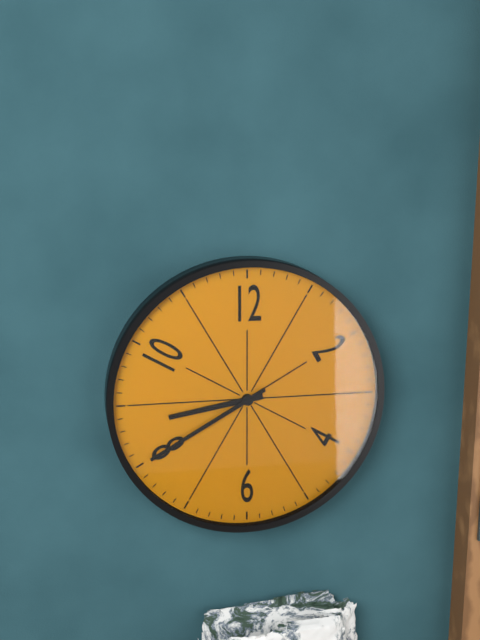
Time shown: **8:40**
